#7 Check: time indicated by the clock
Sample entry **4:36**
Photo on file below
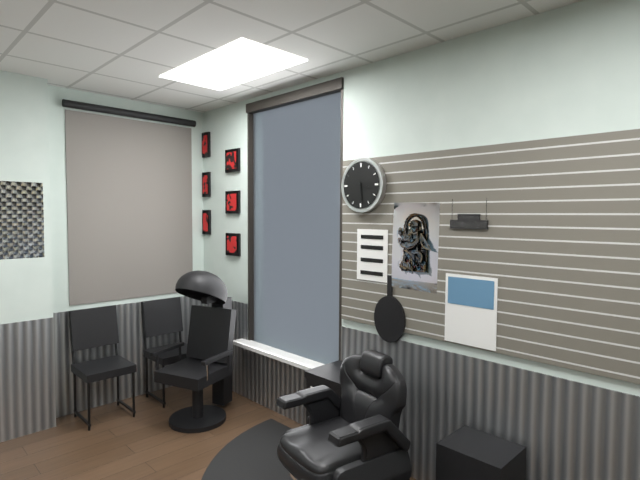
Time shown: **3:29**
